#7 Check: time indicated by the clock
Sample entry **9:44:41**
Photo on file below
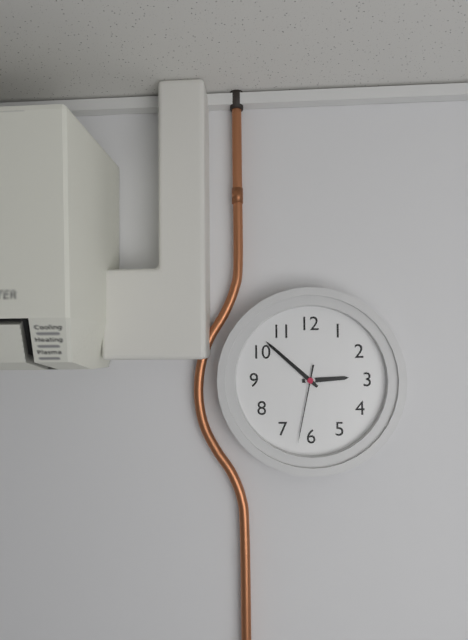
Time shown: **2:52:32**
